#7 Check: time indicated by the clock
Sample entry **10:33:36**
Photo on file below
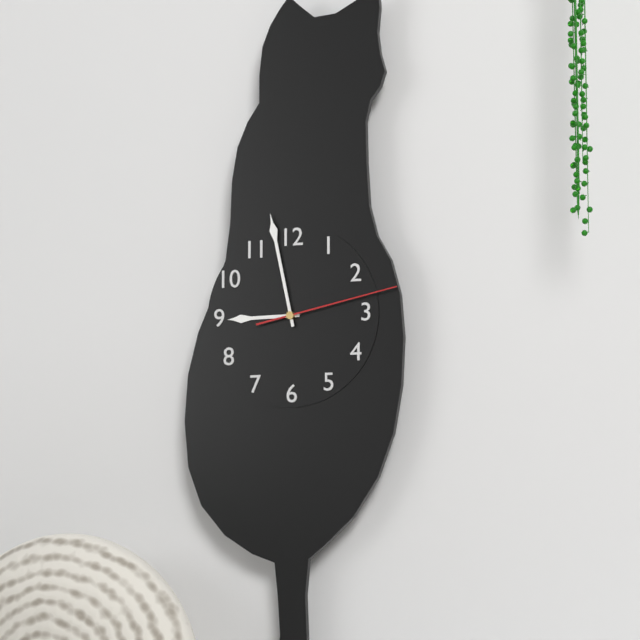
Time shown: **8:58:13**
